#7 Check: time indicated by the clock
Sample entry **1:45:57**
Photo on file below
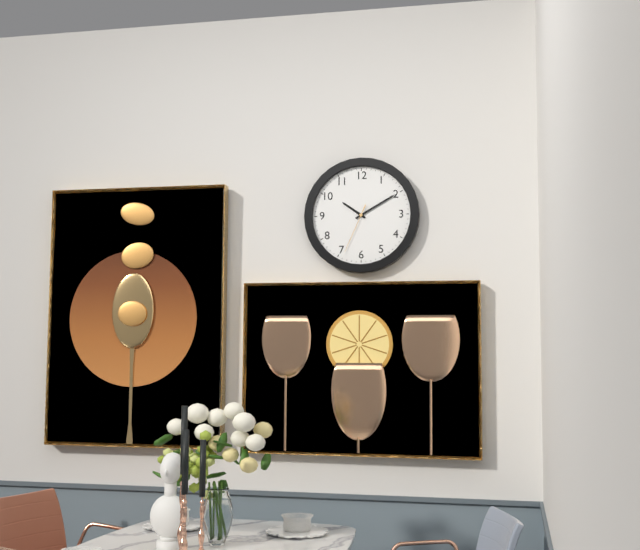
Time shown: **10:10:34**
